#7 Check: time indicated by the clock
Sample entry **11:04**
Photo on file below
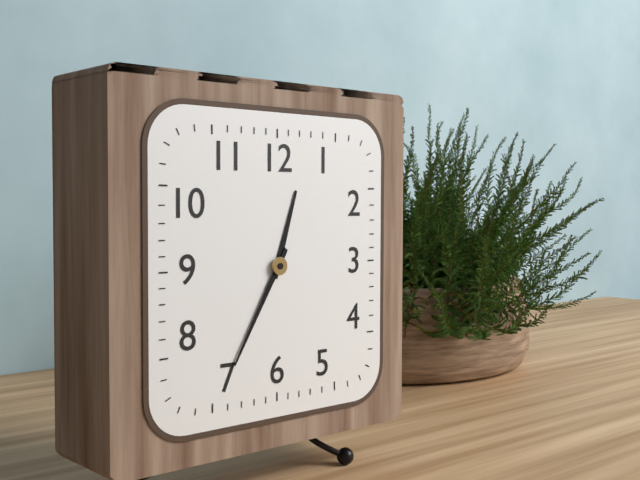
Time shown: **12:35**
